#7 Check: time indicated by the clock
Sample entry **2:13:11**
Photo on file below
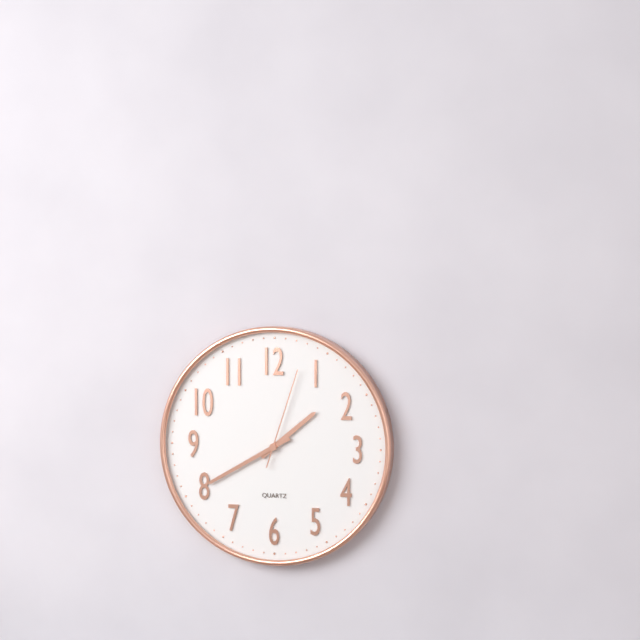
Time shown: **1:40:03**
